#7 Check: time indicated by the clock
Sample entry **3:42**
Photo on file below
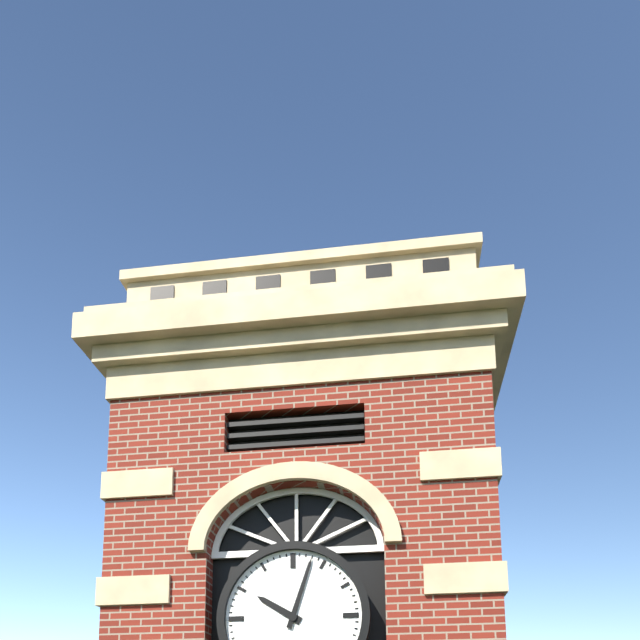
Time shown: **10:03**
